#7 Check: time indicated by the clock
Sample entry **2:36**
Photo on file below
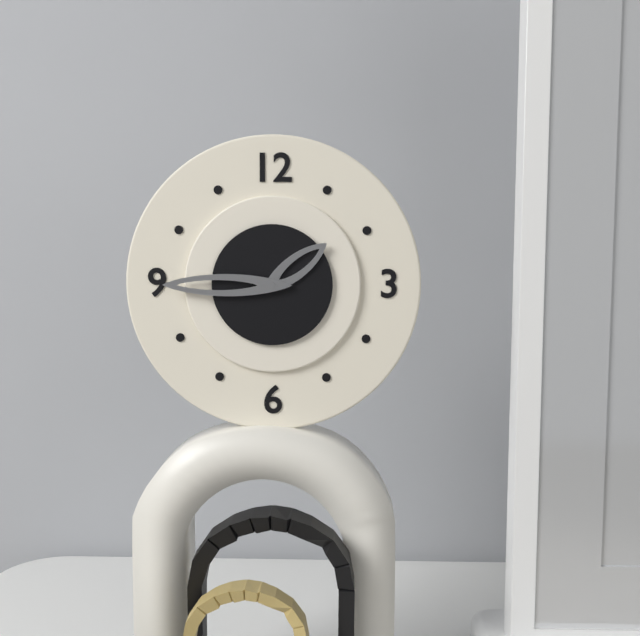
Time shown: **1:45**
